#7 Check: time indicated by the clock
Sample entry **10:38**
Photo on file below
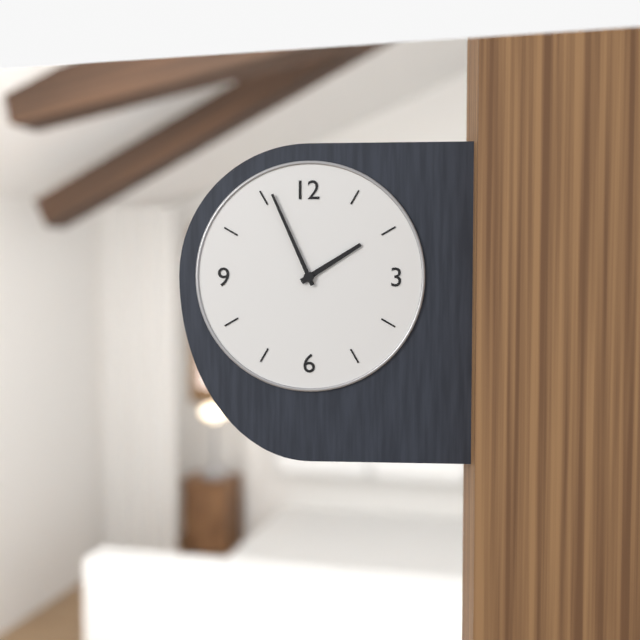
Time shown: **1:56**
